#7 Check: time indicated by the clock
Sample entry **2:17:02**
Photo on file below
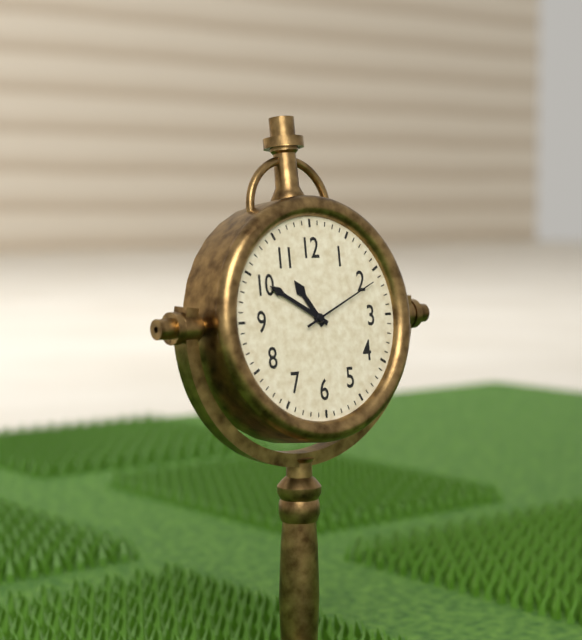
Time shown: **10:50:11**
